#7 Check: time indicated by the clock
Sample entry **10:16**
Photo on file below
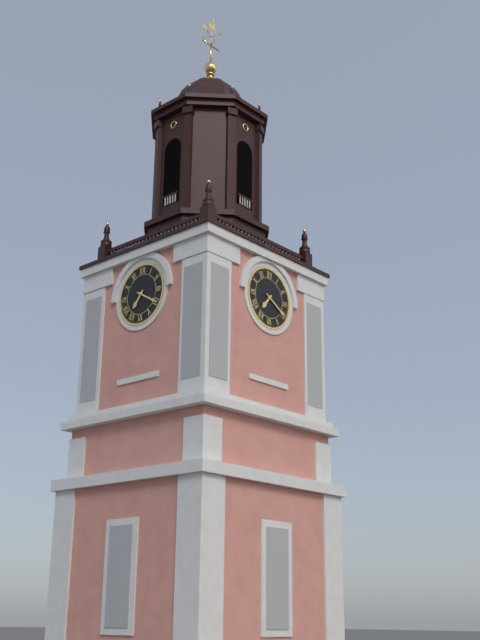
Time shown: **7:20**
